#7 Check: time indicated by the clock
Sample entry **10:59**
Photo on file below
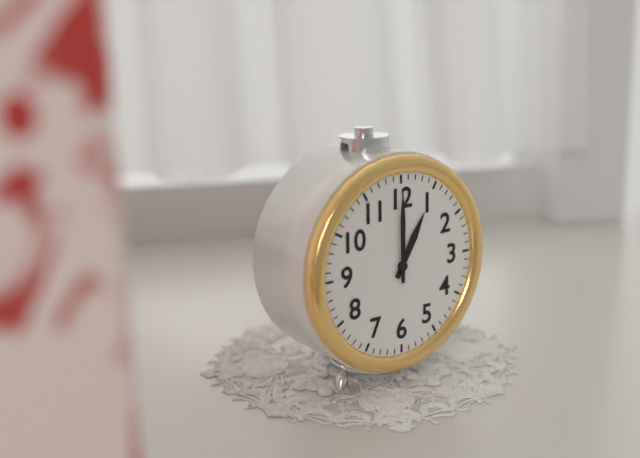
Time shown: **1:00**
